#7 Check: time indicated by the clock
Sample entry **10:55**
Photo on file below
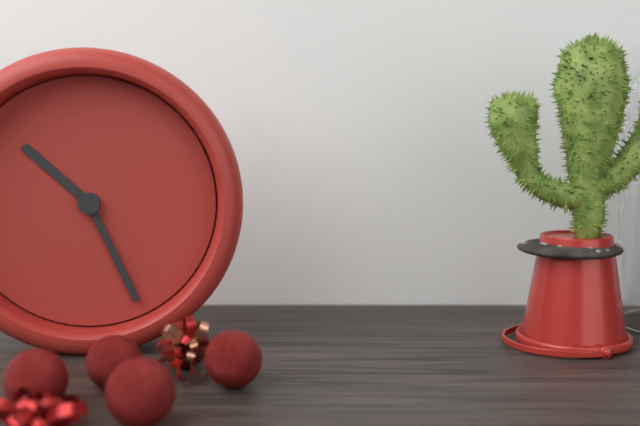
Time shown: **10:26**
